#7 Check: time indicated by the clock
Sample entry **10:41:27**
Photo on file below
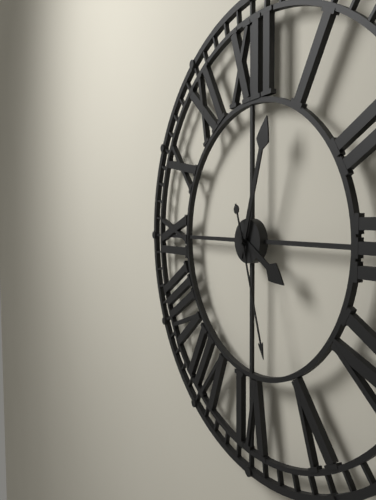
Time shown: **4:03:27**
